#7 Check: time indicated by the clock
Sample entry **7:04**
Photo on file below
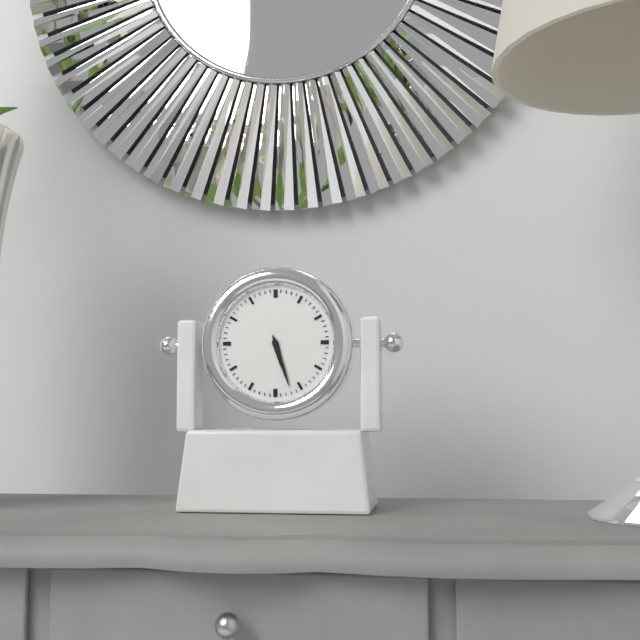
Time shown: **5:27**
